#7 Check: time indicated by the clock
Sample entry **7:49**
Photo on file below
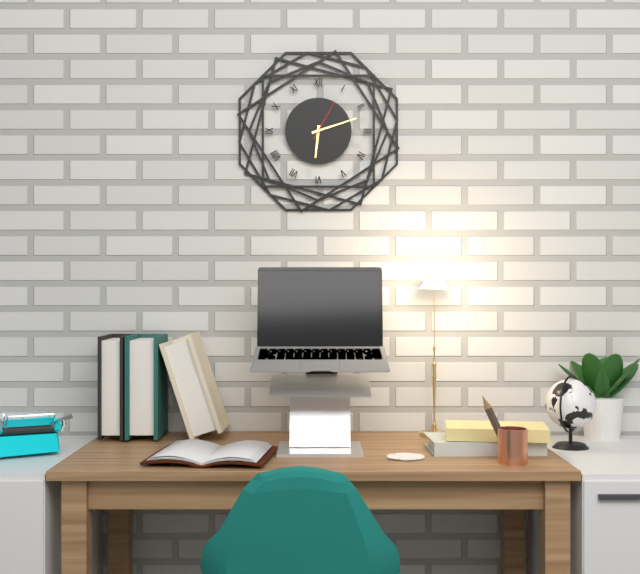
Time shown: **6:12**
